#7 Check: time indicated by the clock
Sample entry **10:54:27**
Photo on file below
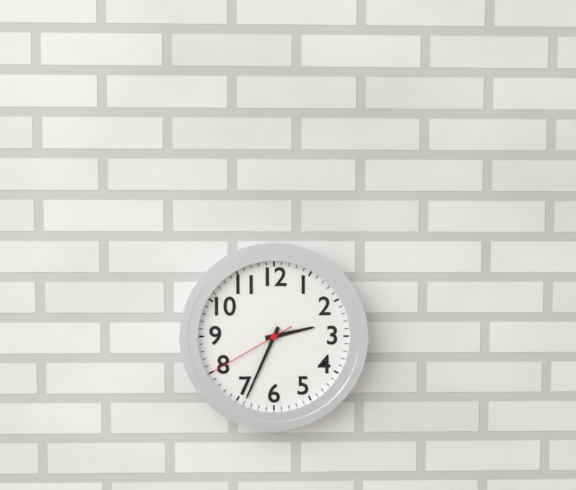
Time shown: **2:34:40**
